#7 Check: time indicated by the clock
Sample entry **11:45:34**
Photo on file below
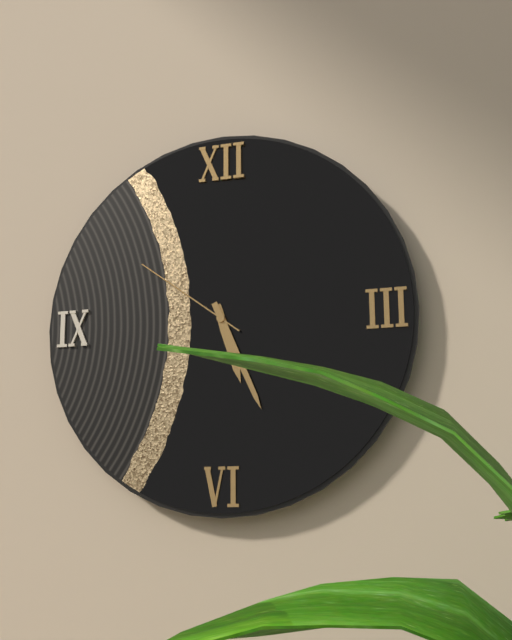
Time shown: **5:26:51**
